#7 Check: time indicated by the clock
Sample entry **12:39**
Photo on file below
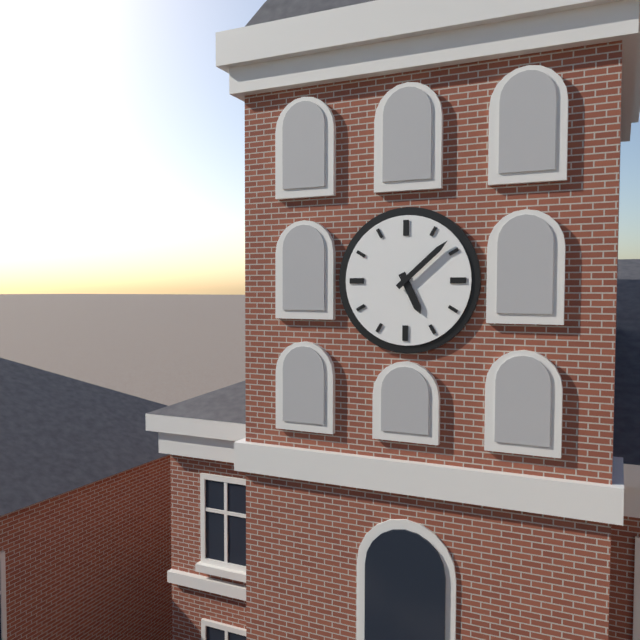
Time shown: **5:08**
